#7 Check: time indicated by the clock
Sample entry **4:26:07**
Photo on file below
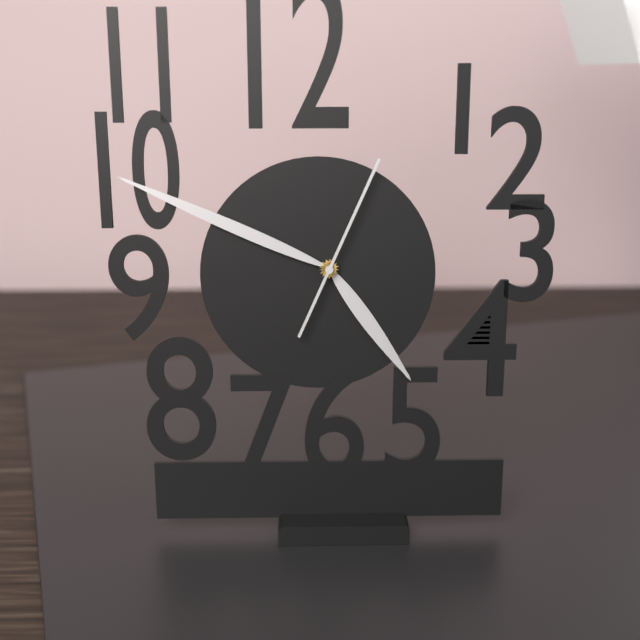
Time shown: **4:49:04**
